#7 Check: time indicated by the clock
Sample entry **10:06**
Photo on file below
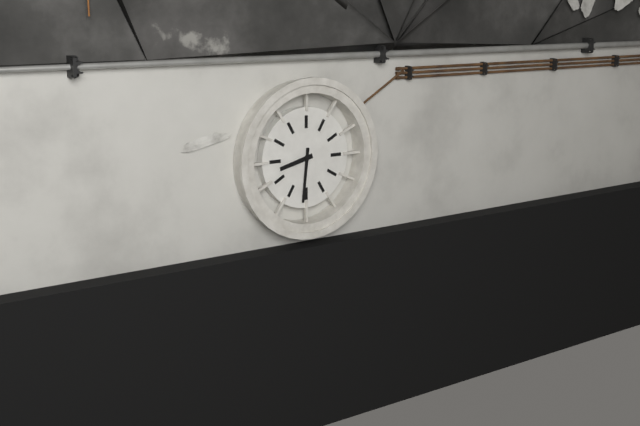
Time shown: **8:31**
